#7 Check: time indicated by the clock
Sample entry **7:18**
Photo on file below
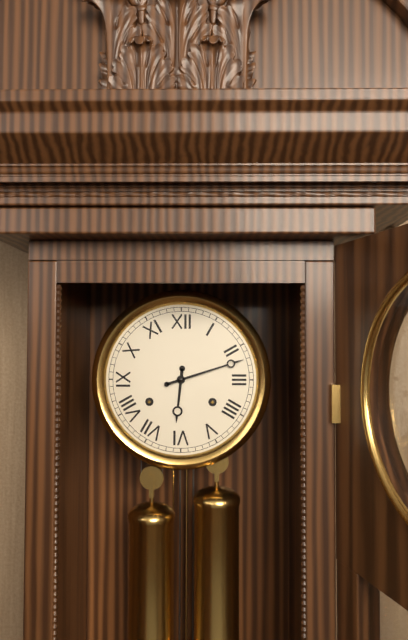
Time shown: **6:12**
